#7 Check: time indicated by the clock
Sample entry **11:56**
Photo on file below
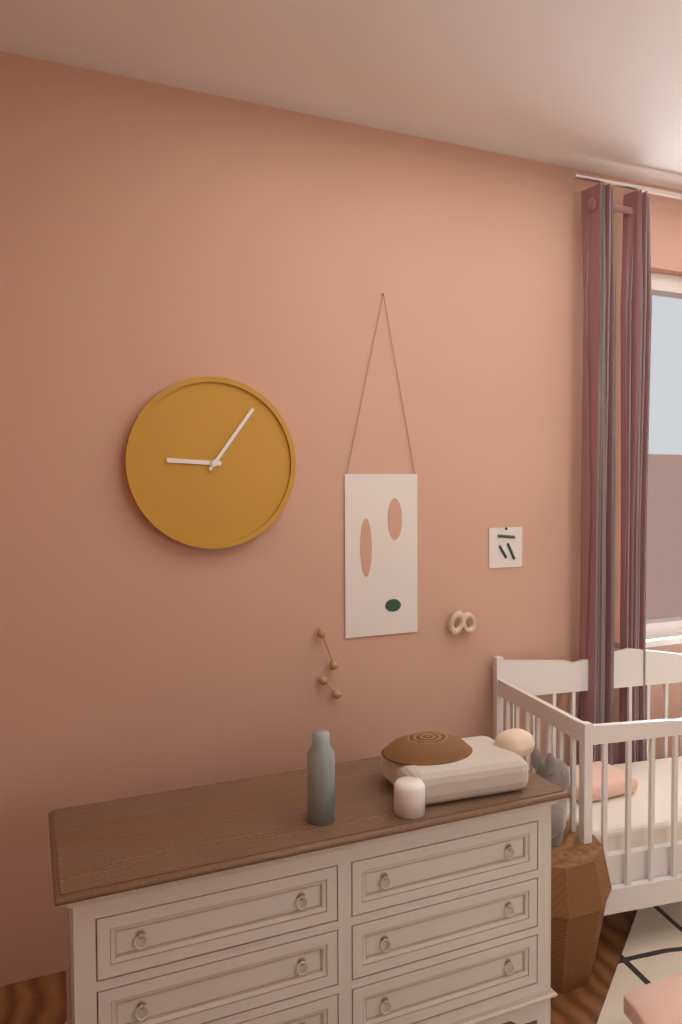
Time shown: **9:06**
